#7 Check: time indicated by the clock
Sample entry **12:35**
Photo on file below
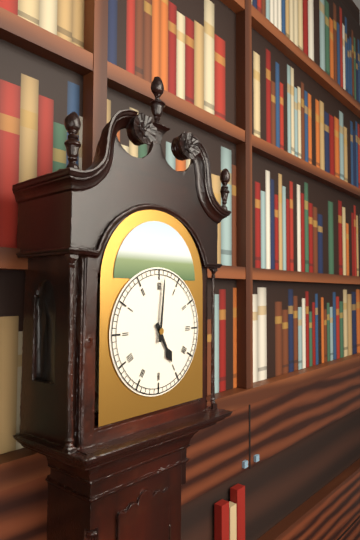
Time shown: **5:01**
